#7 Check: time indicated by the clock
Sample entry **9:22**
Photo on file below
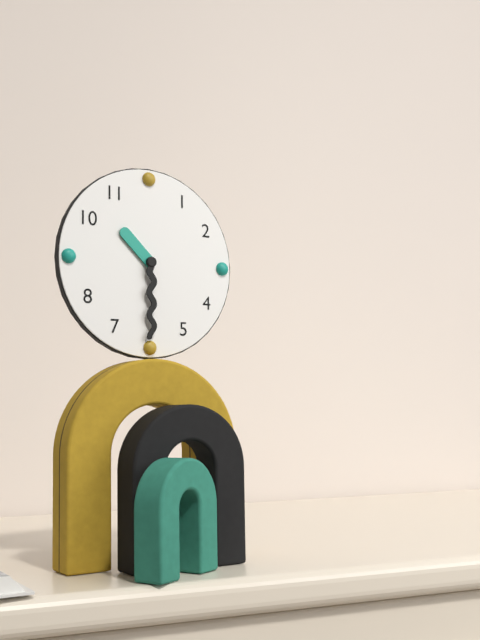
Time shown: **10:30**
